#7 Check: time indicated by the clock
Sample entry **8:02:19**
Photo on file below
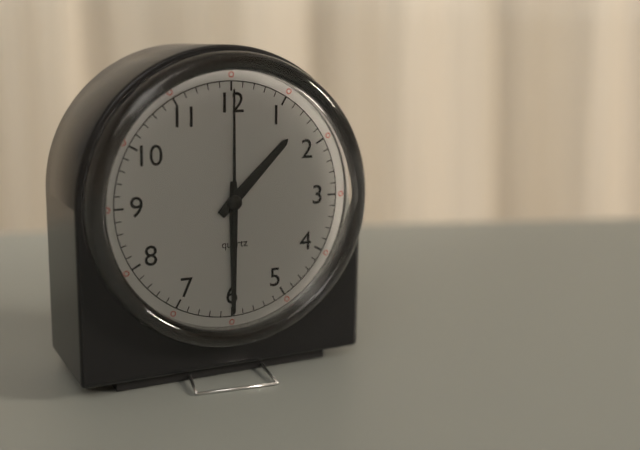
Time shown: **1:30:00**
